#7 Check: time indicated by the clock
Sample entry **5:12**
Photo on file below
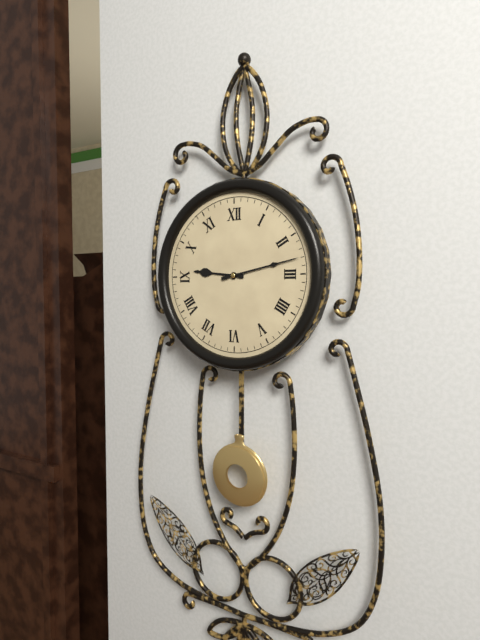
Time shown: **9:13**
